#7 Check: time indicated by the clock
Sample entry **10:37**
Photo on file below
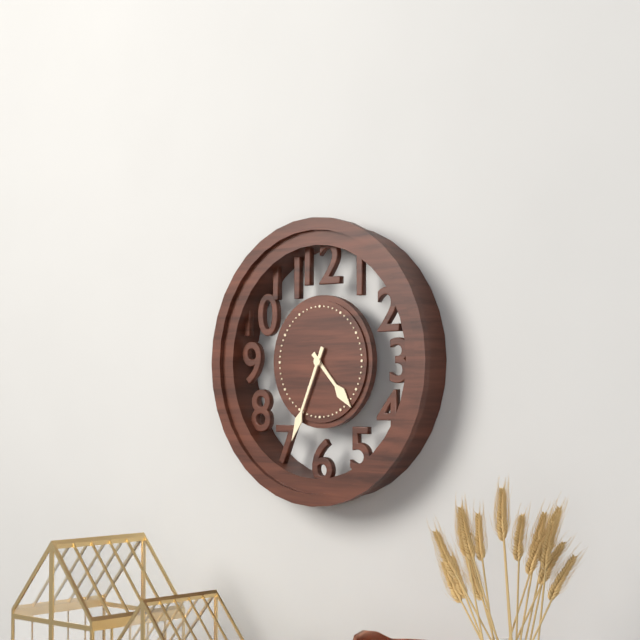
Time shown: **4:34**
